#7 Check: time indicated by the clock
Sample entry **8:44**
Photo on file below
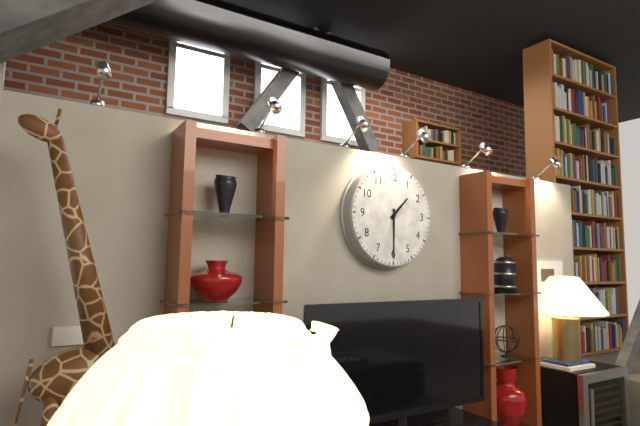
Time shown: **1:30**
